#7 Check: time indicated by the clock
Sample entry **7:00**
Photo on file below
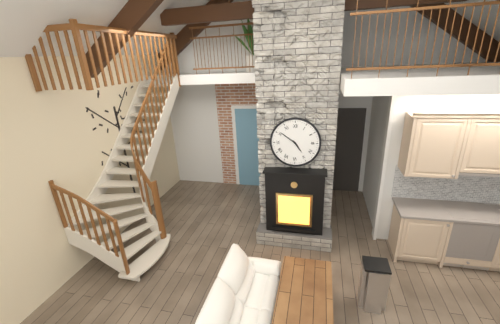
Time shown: **4:51**
